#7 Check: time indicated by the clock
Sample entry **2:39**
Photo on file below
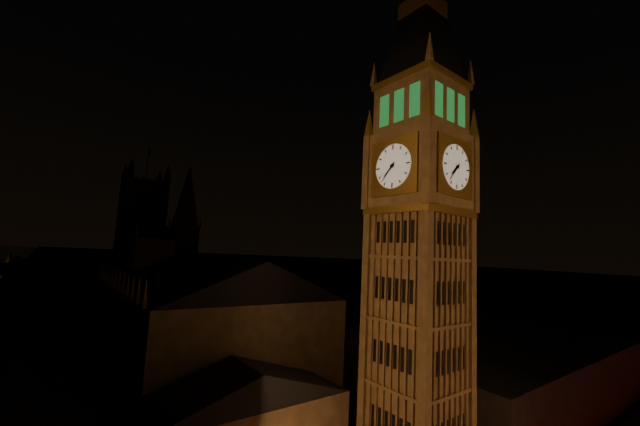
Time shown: **7:37**
